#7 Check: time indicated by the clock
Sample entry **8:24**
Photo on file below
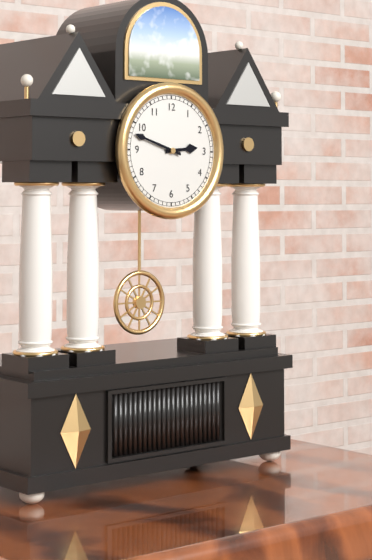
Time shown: **2:48**
